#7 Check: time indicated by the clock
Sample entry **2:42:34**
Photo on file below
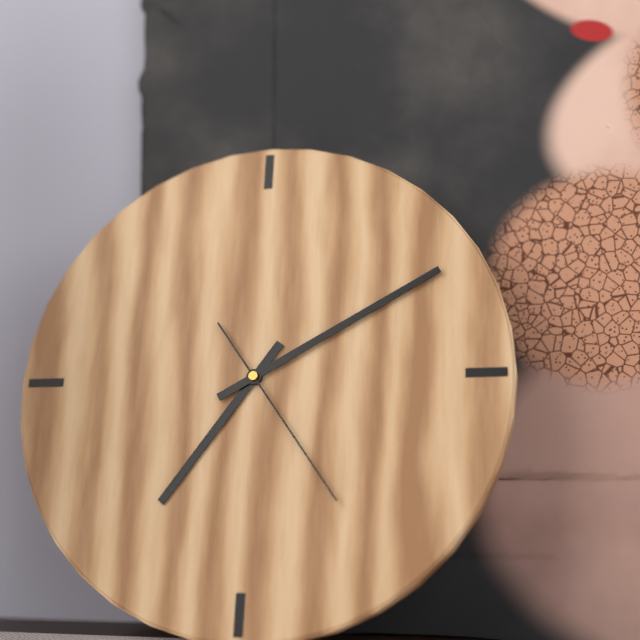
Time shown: **7:10:24**
